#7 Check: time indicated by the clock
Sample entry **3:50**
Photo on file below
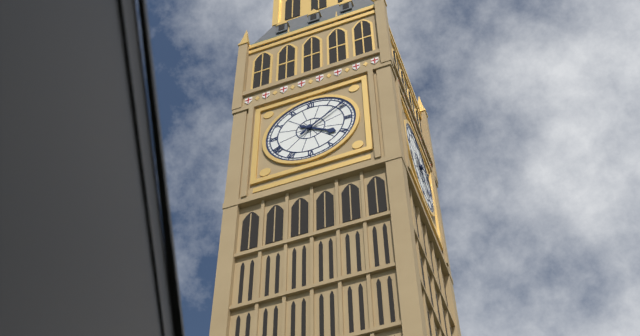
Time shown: **4:09**
